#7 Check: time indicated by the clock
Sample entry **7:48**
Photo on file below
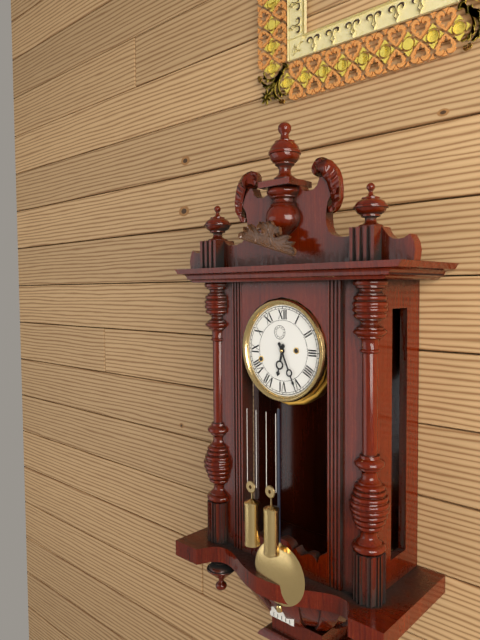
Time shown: **6:26**
